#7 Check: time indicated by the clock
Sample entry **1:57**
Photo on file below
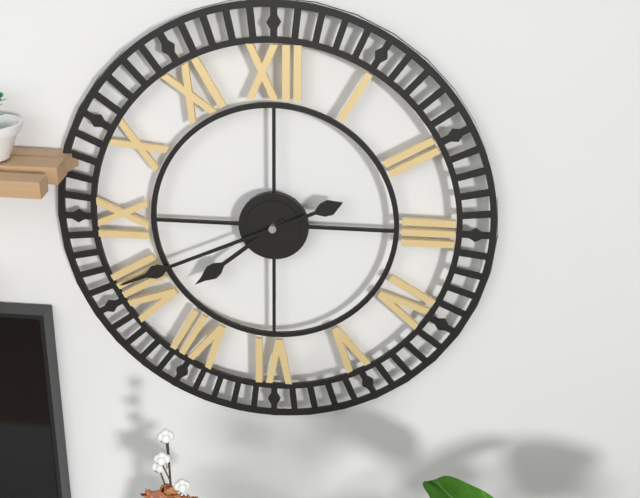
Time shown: **7:41**
